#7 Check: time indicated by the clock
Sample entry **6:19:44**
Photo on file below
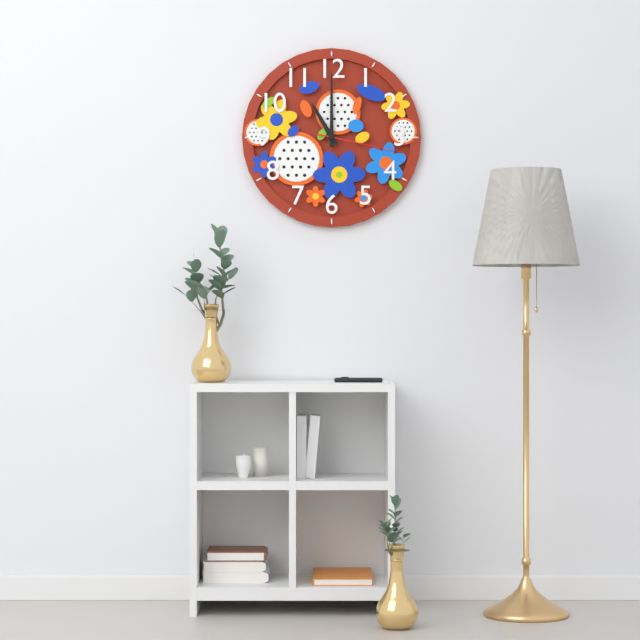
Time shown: **11:00:17**
